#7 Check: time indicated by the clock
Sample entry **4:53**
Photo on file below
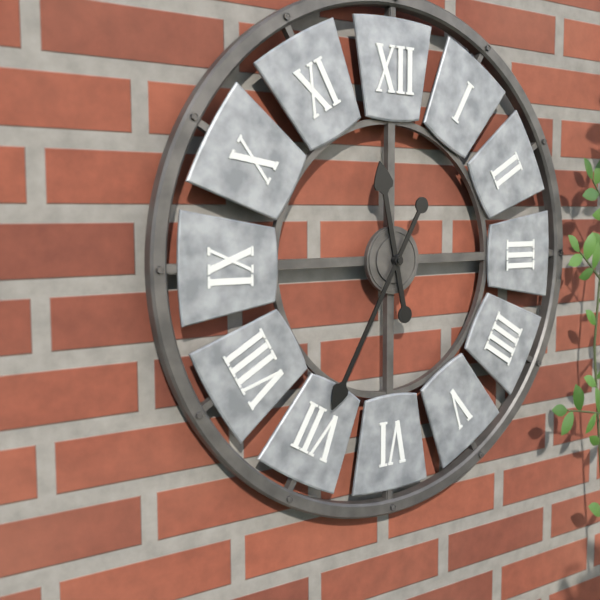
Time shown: **11:35**
